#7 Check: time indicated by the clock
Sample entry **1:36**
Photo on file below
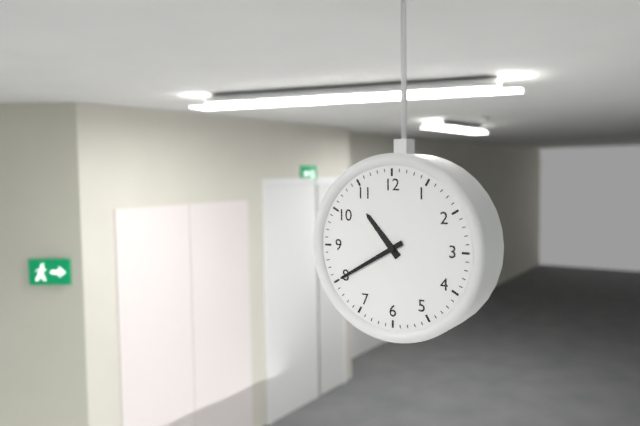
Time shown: **10:40**
